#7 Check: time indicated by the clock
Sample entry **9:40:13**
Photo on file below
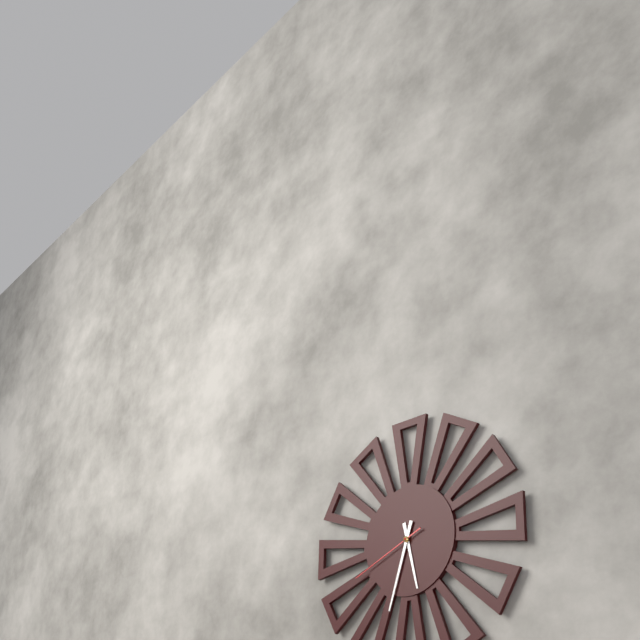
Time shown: **5:33:41**
